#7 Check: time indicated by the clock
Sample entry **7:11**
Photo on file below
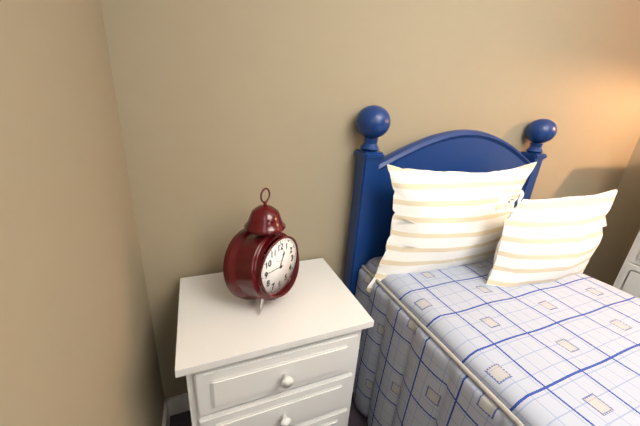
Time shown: **12:46**
